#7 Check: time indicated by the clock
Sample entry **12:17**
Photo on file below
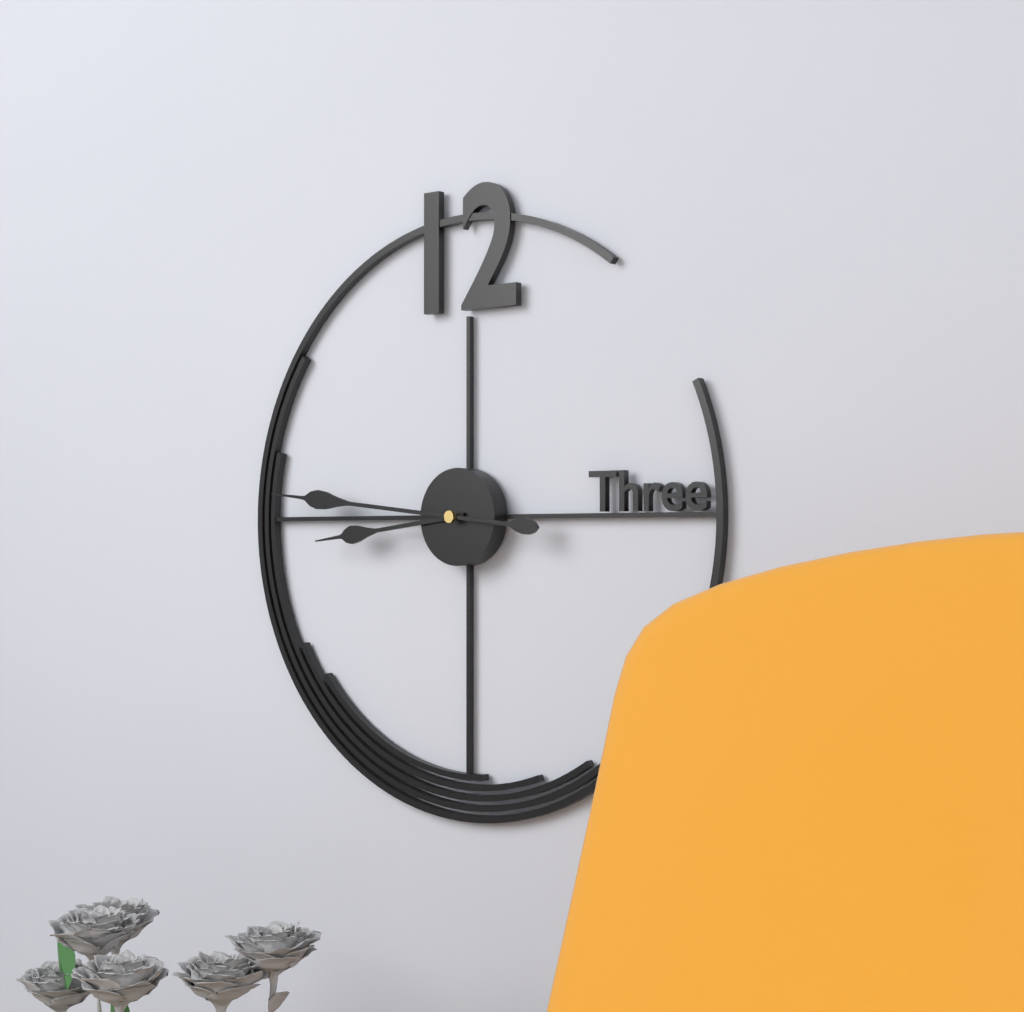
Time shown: **8:46**
